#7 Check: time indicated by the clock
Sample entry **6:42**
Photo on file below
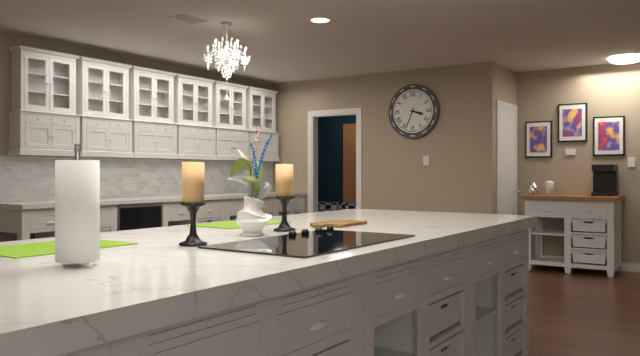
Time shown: **3:34**
